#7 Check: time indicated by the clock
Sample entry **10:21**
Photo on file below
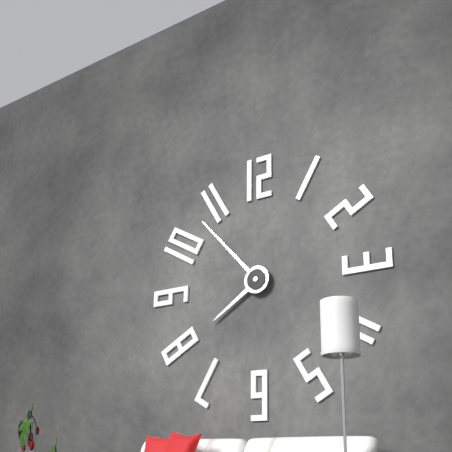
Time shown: **7:53**
